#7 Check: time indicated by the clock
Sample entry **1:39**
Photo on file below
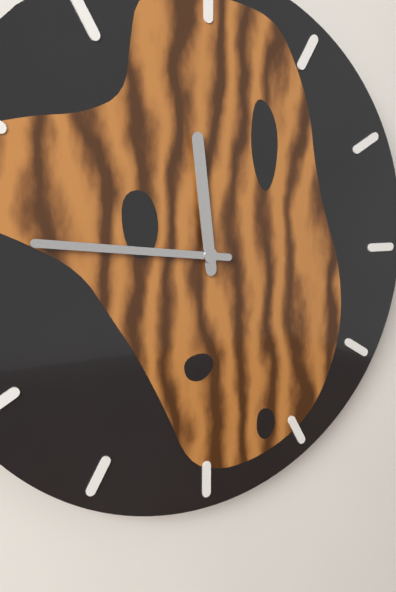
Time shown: **11:46**
